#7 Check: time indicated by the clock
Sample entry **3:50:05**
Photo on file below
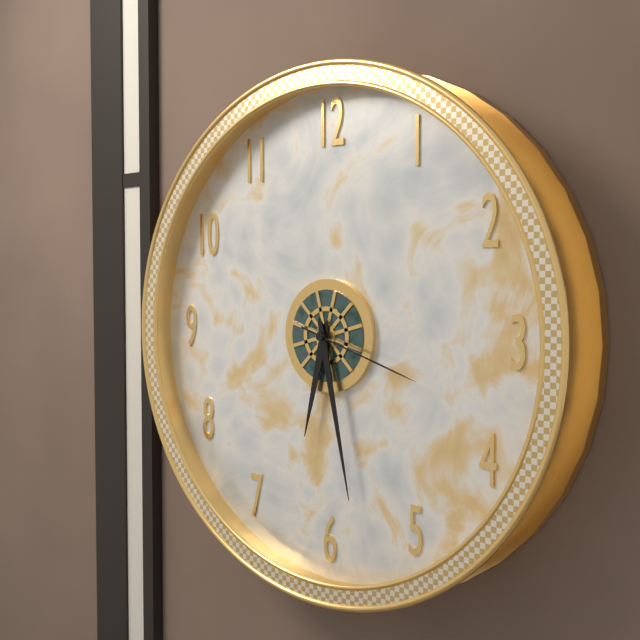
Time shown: **6:28:18**
